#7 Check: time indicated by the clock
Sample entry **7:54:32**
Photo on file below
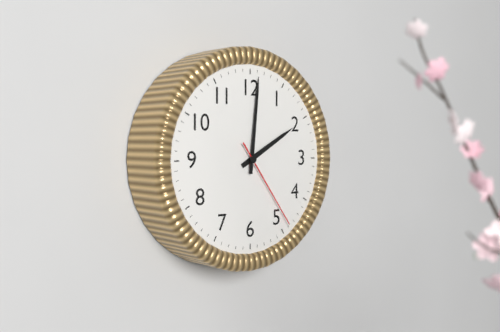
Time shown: **2:01:24**
